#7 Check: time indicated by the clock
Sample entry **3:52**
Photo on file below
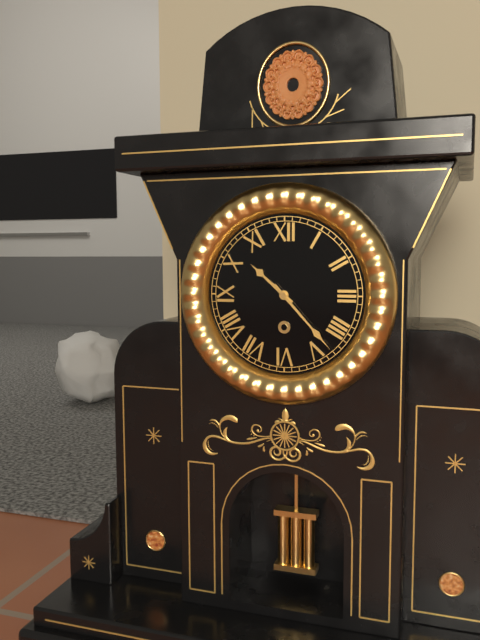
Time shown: **10:23**
